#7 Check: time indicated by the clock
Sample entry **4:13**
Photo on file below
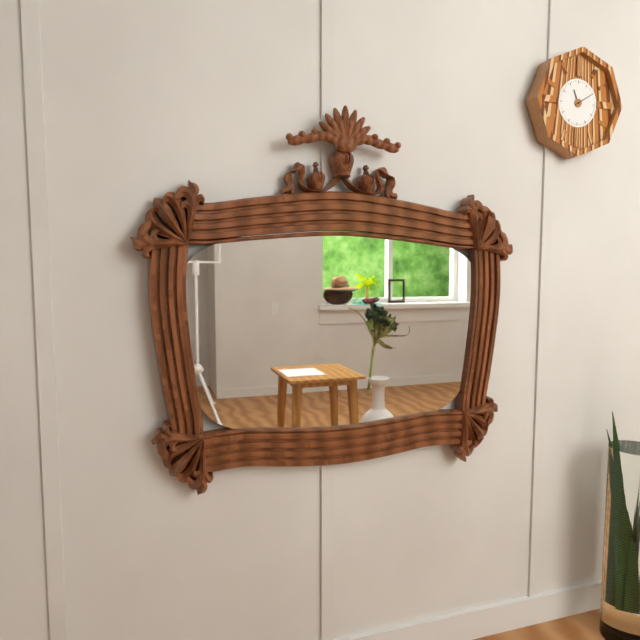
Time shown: **11:10**
